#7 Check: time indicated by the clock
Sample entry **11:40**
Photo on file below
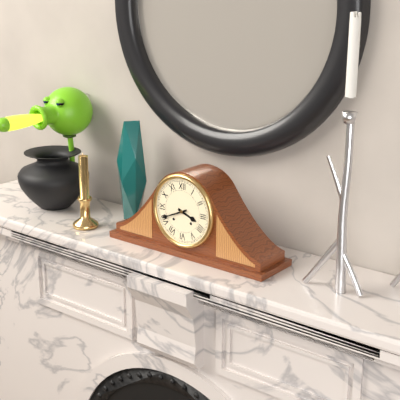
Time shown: **3:41**
